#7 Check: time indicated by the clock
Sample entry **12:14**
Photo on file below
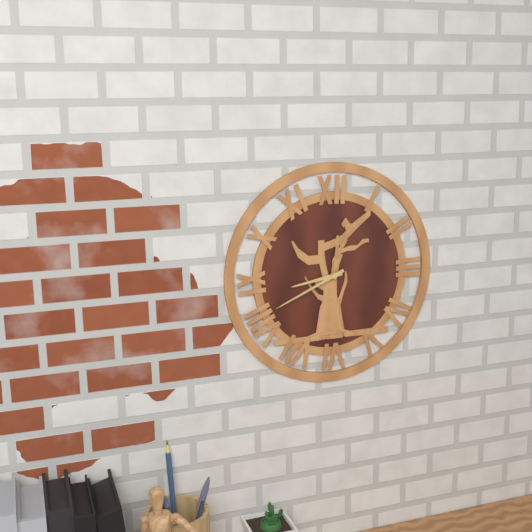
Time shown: **8:41**
